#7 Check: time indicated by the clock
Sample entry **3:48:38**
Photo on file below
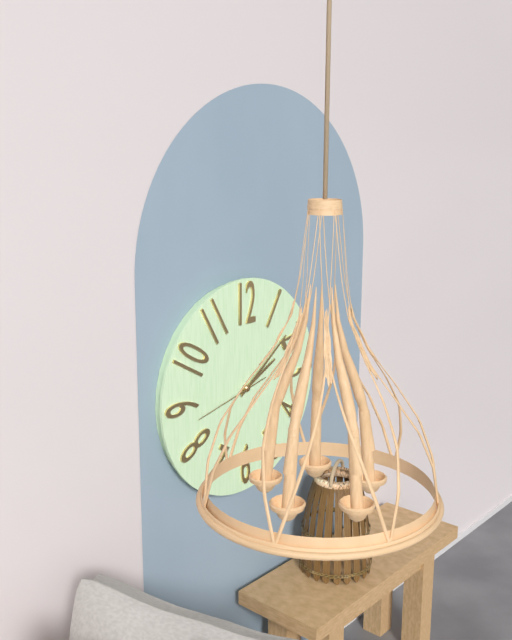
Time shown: **2:09:43**
